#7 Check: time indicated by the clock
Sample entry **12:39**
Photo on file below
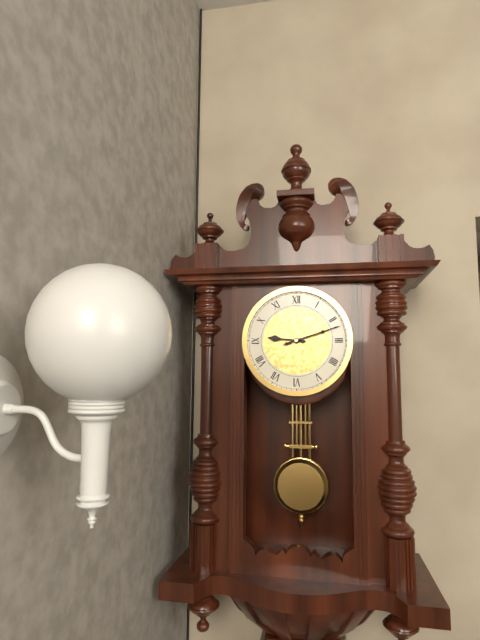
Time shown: **9:12**
